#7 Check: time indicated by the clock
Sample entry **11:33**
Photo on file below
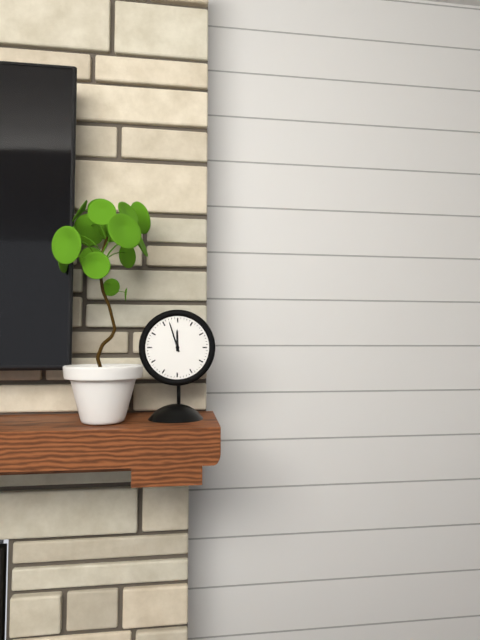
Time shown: **11:57**
